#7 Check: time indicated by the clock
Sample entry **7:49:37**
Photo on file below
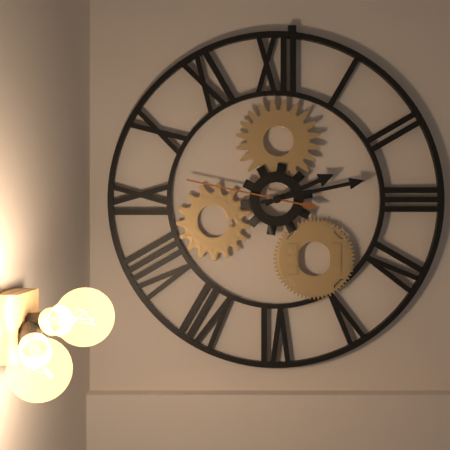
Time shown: **2:13:47**
